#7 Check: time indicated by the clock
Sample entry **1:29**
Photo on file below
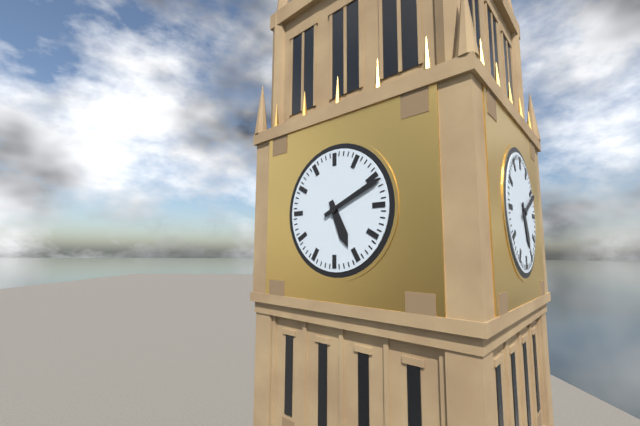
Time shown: **5:11**
